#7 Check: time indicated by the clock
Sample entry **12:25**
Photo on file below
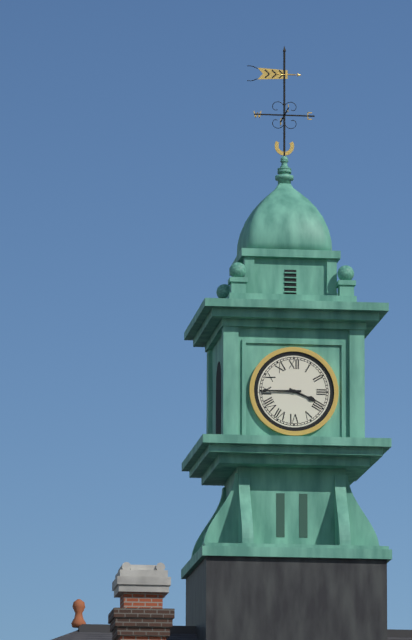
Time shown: **3:45**
